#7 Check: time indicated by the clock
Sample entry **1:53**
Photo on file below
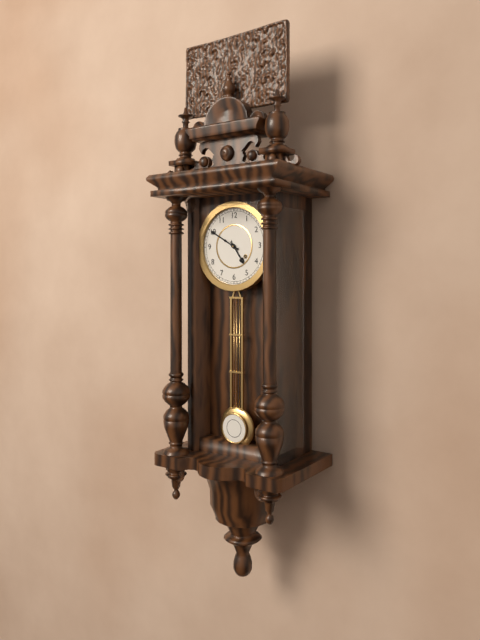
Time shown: **4:50**
